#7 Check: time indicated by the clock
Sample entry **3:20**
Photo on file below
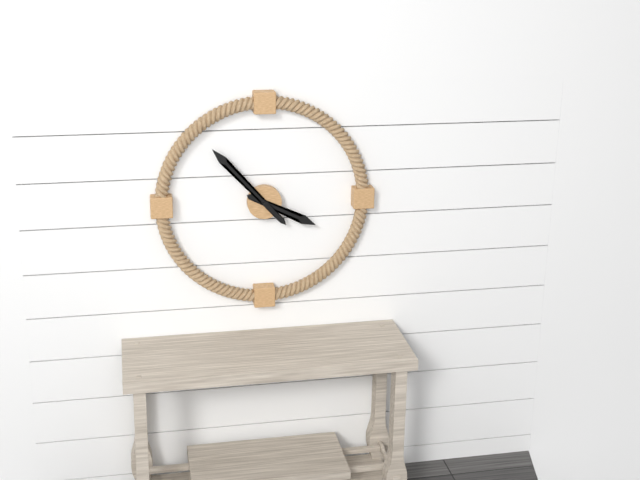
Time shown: **3:53**
